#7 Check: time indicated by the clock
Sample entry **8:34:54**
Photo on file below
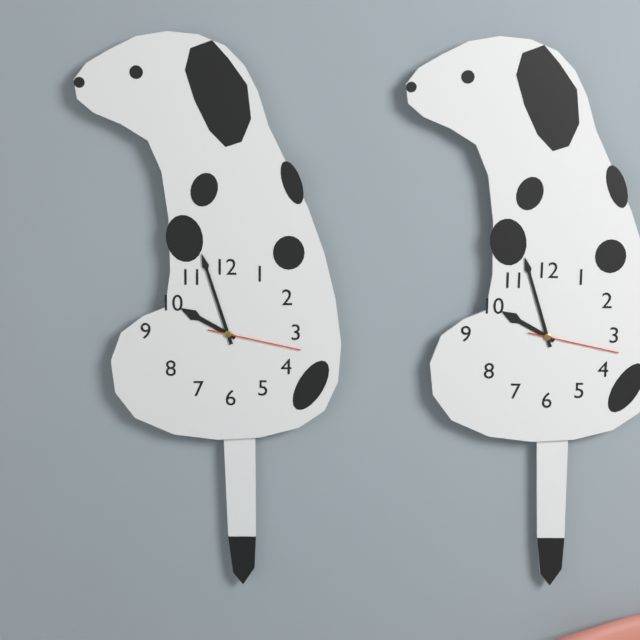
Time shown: **9:57:17**
